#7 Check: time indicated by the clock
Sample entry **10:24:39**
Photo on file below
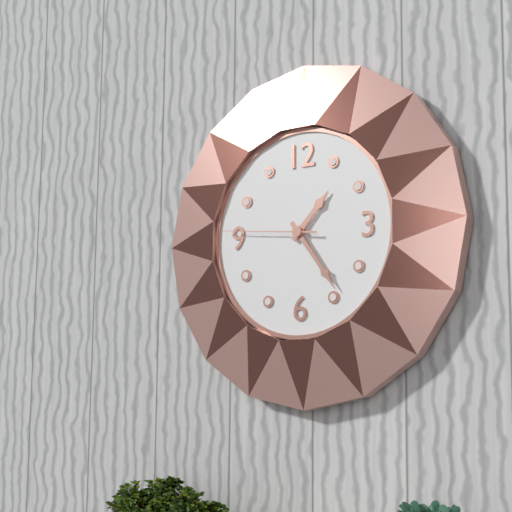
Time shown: **1:24:46**
